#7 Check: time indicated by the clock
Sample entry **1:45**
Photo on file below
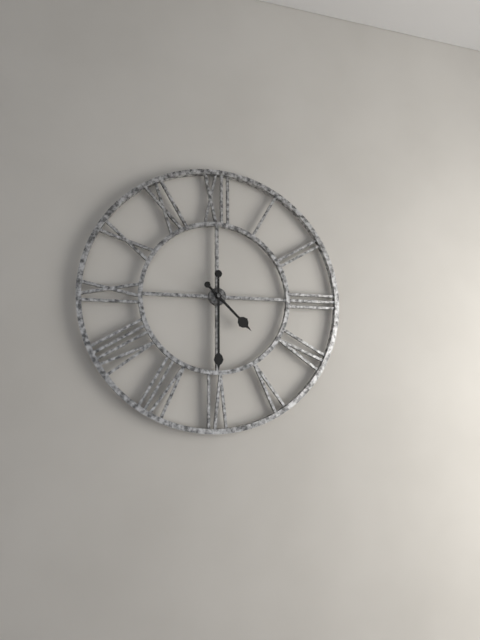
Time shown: **4:30**
